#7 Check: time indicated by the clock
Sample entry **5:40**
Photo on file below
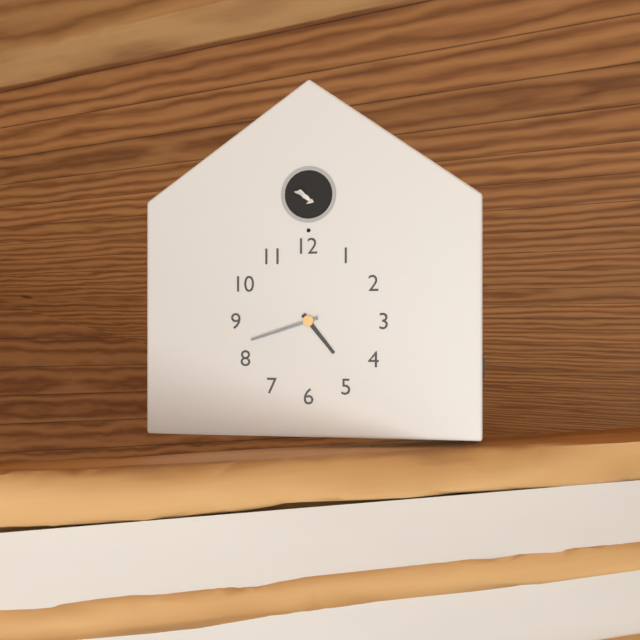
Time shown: **4:42**
